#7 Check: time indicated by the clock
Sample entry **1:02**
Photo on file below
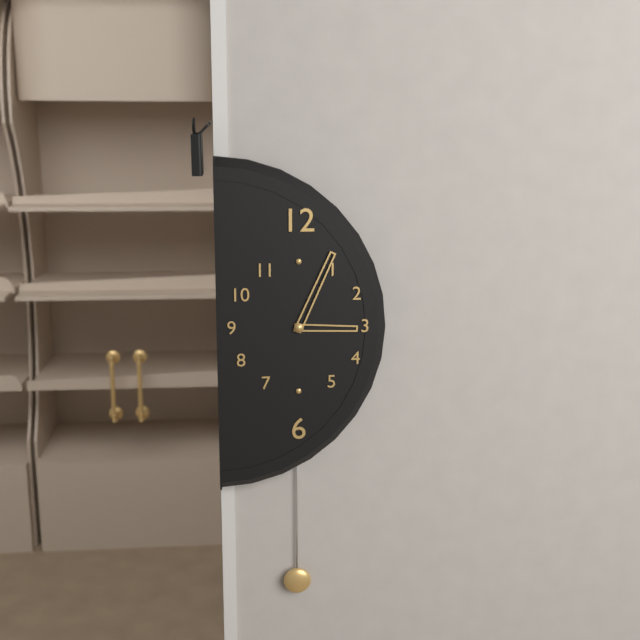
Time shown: **3:04**
